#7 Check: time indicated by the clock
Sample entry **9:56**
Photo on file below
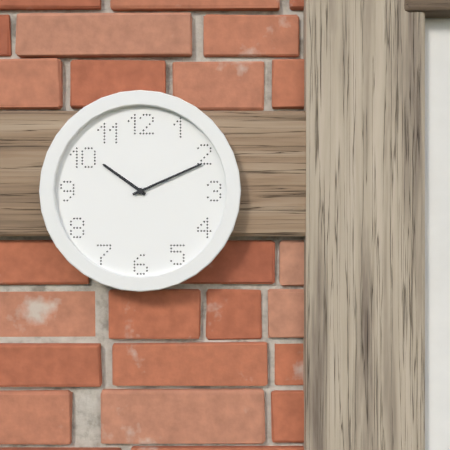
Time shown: **10:11**
